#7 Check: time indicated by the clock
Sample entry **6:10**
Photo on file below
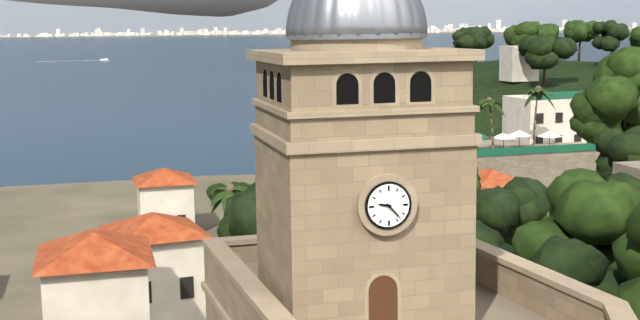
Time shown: **9:23**
